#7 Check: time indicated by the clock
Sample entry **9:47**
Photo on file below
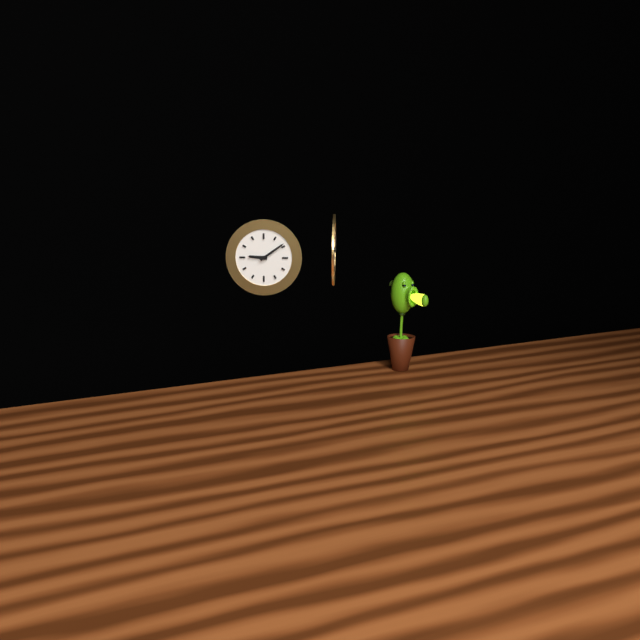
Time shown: **9:09**
